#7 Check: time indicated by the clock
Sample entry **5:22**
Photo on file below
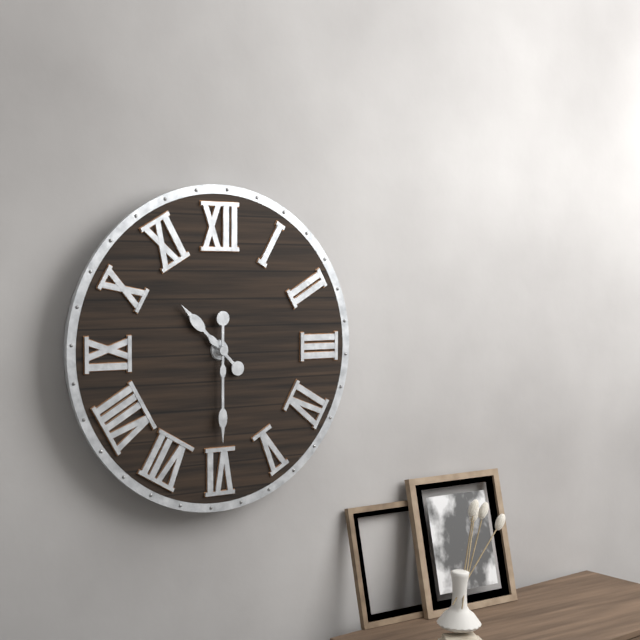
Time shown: **10:30**
